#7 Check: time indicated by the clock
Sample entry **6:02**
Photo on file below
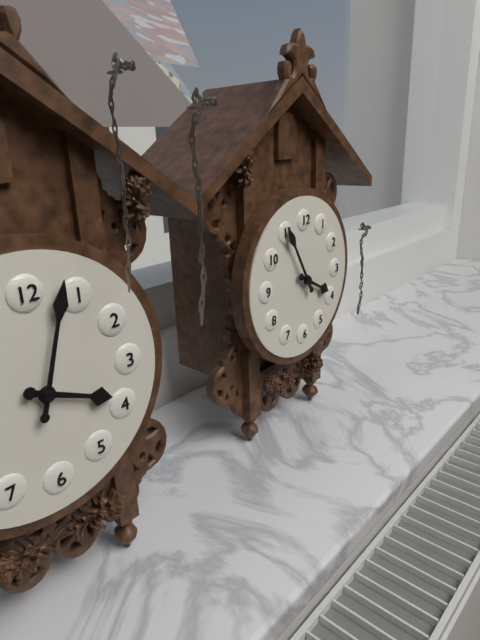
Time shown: **3:55**
